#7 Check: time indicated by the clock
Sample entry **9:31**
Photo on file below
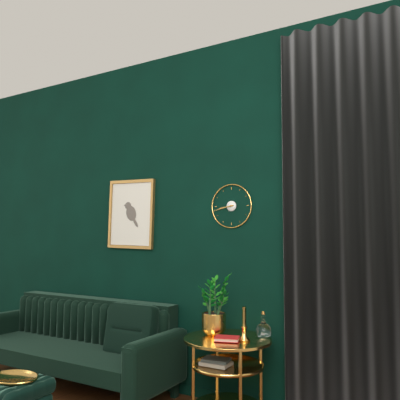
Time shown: **8:43**
